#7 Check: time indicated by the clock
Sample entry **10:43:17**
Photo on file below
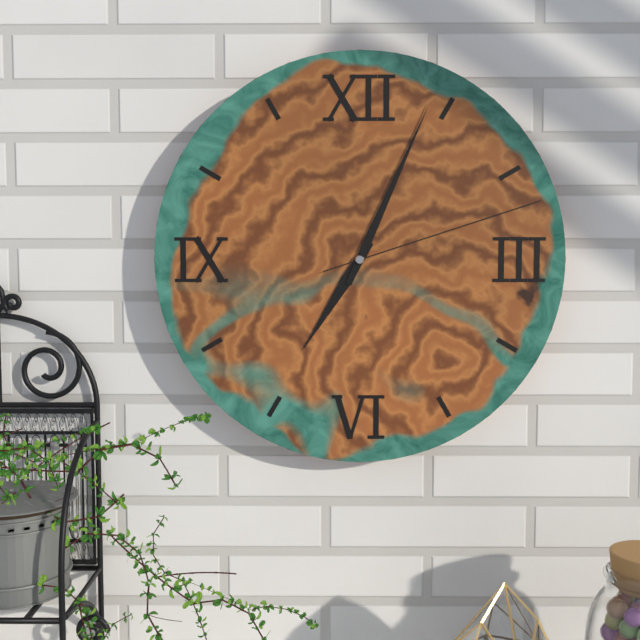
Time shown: **7:04:12**
